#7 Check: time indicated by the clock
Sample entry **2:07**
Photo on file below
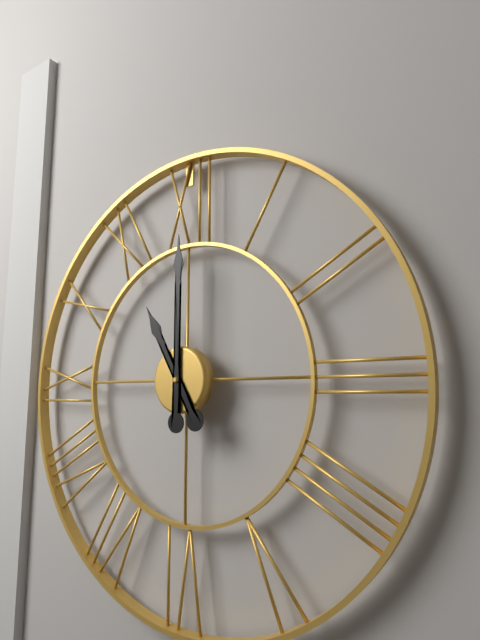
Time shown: **11:00**
